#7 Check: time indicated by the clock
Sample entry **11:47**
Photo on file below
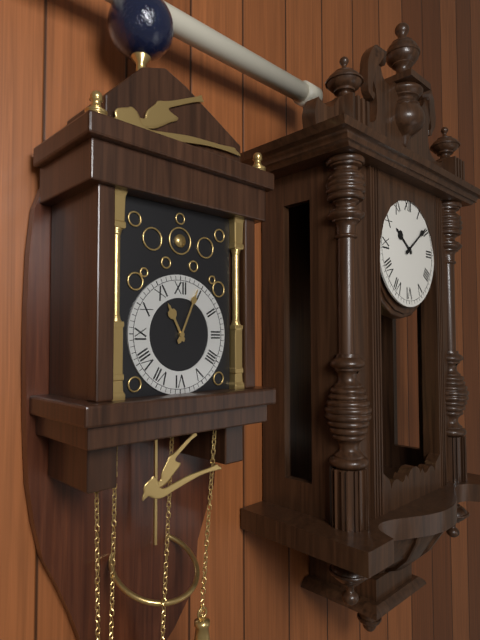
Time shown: **11:04**
